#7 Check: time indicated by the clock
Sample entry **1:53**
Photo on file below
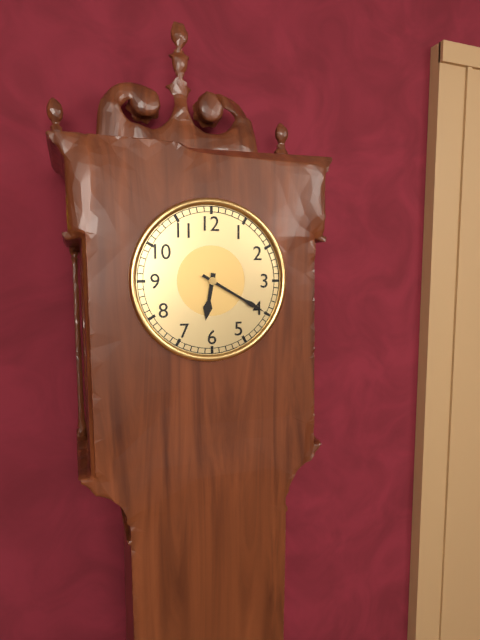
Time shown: **6:20**
